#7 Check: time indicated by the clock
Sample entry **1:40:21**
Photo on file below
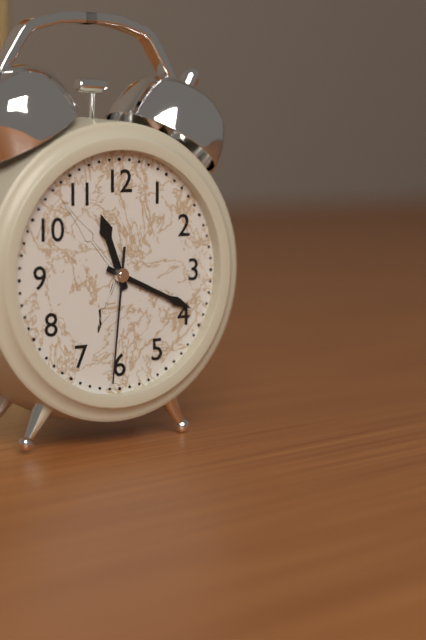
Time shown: **11:19:31**
